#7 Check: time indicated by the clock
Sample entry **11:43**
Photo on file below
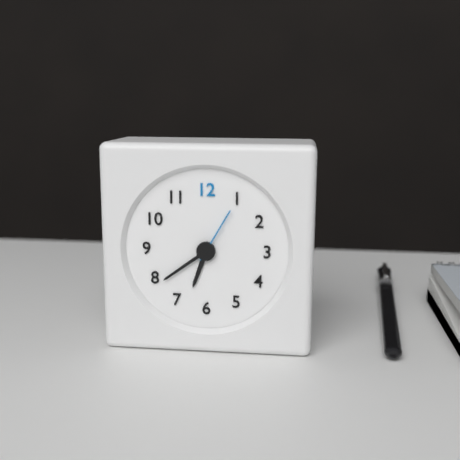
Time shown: **6:39**
